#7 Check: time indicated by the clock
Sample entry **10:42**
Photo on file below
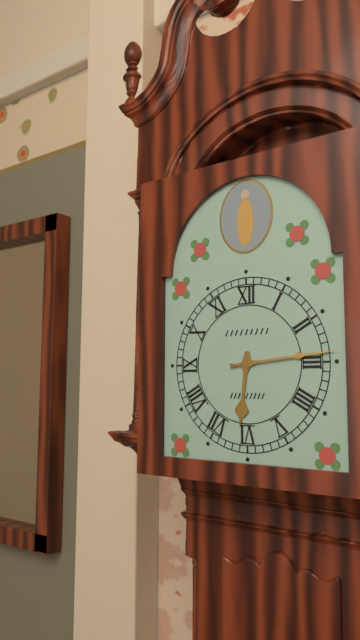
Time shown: **6:14**
